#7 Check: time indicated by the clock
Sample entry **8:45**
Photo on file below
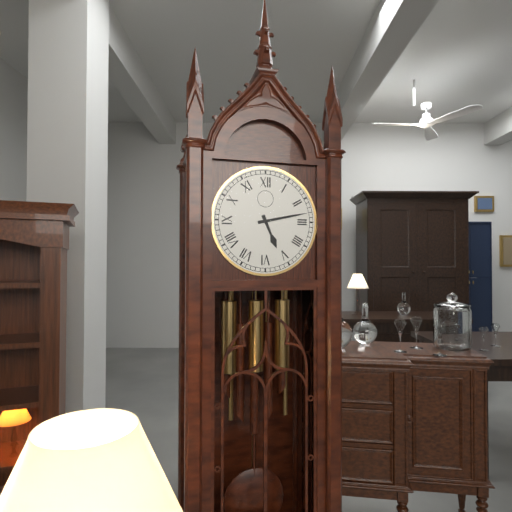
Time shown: **5:13**
